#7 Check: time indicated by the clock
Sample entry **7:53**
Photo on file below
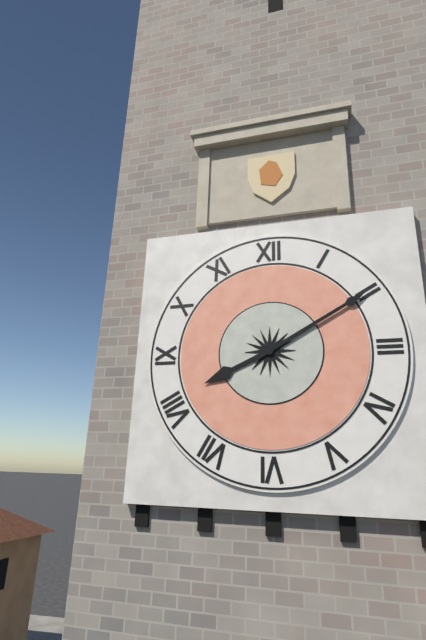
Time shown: **8:10**
